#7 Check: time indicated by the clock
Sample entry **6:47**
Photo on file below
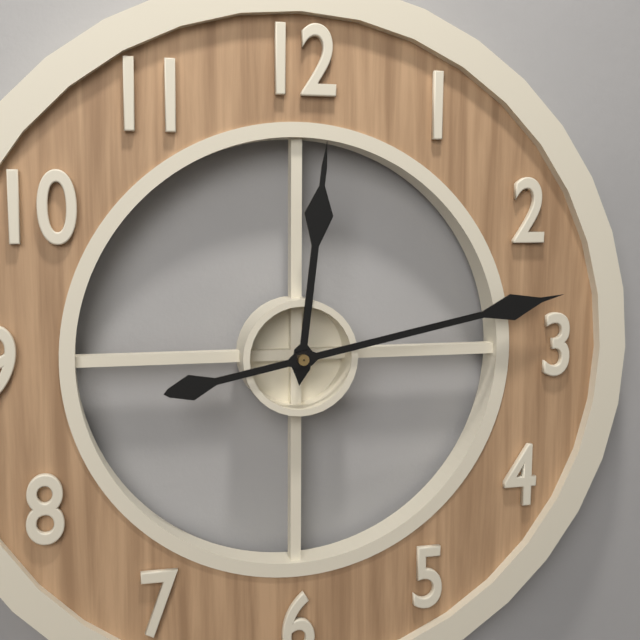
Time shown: **12:13**
